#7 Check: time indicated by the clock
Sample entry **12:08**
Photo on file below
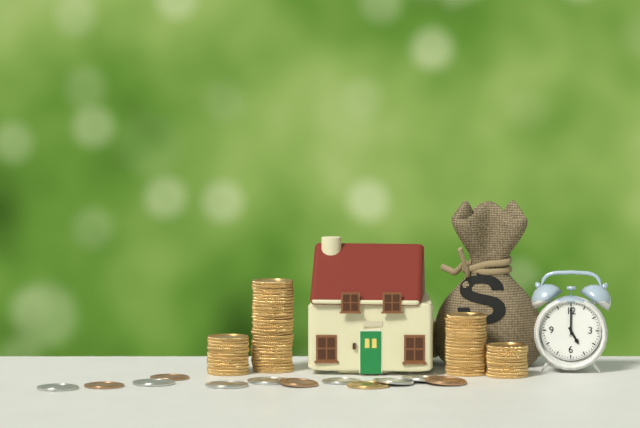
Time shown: **5:00**
